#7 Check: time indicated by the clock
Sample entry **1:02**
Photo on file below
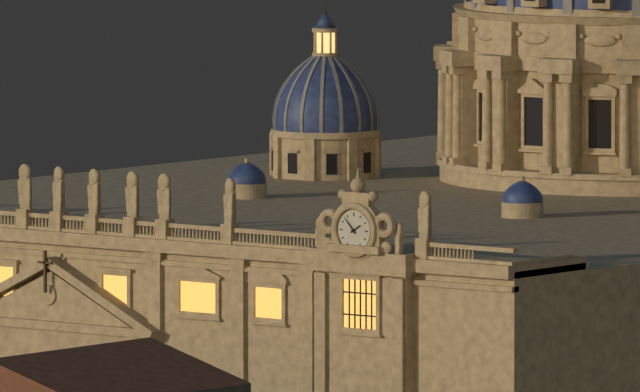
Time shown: **1:53**
